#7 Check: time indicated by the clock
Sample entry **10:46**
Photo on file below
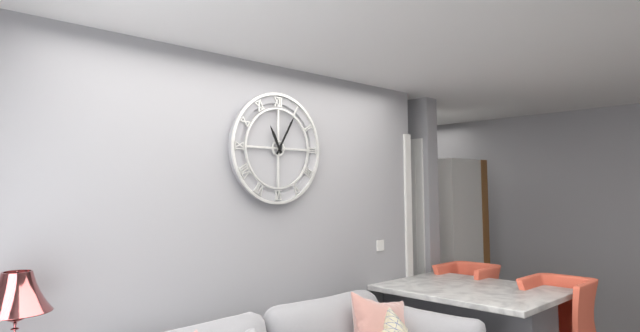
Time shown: **11:05**
